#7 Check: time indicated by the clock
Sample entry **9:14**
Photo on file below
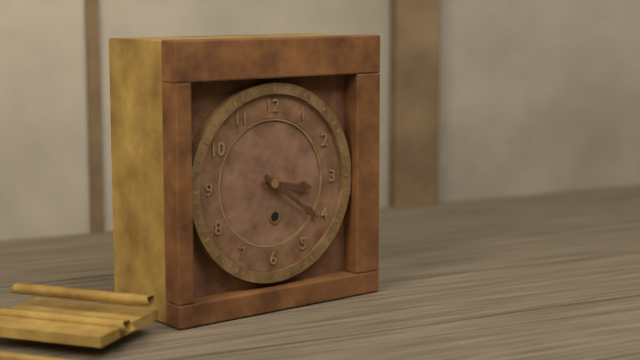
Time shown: **3:21**
